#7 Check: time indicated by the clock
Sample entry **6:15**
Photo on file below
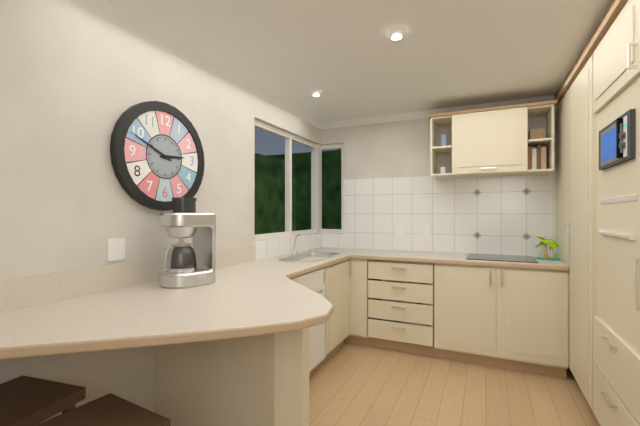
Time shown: **2:49**
